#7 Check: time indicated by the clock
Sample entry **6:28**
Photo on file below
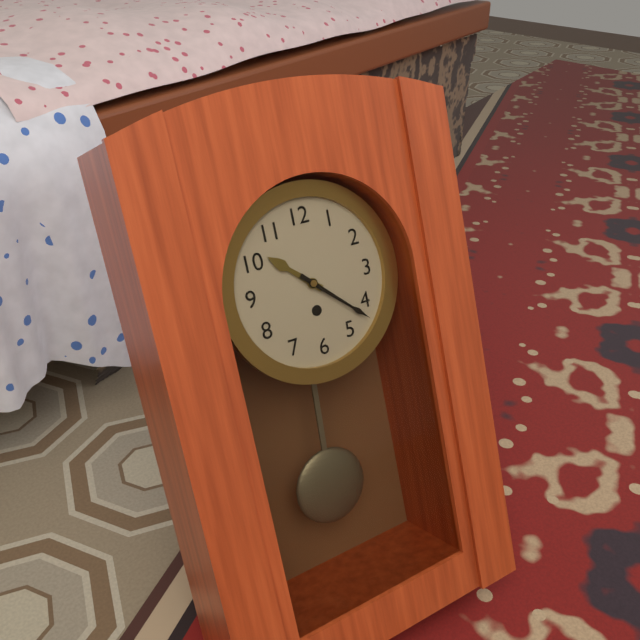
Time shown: **10:22**
